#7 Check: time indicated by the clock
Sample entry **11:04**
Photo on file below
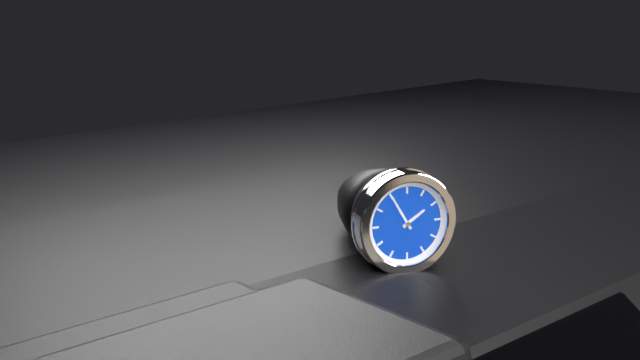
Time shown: **1:55**
